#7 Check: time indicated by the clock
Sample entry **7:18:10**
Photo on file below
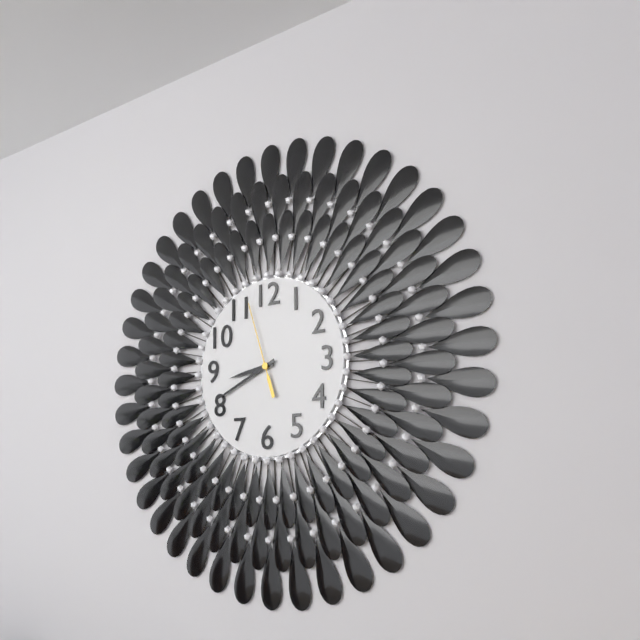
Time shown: **8:41:57**
